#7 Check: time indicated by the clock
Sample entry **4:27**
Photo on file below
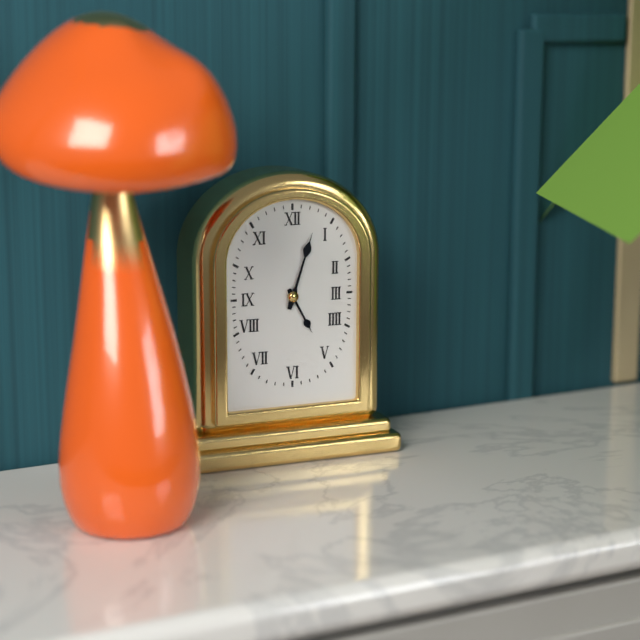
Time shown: **5:03**
